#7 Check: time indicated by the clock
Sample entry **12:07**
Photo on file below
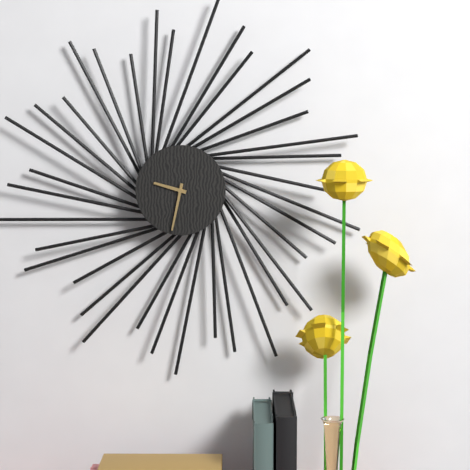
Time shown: **9:32**
